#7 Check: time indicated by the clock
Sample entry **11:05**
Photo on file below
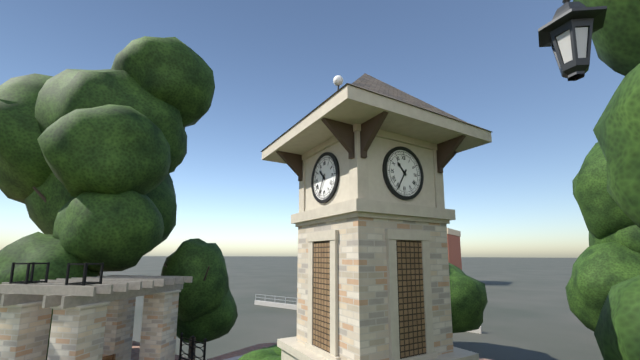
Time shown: **10:35**
